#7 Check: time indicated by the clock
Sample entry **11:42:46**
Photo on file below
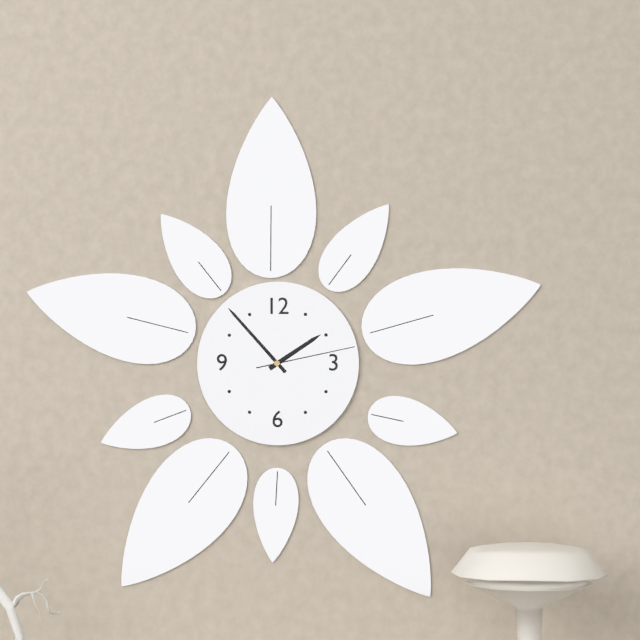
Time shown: **1:53:13**
